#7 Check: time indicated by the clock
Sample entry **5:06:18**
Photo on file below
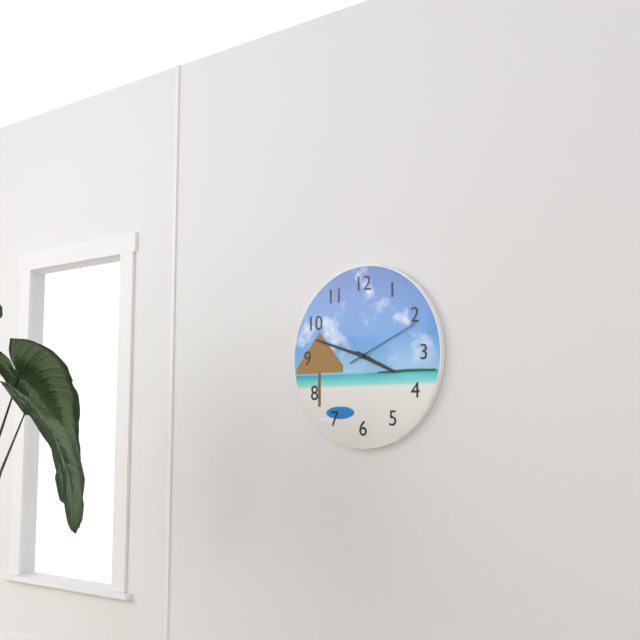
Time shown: **3:48:11**
